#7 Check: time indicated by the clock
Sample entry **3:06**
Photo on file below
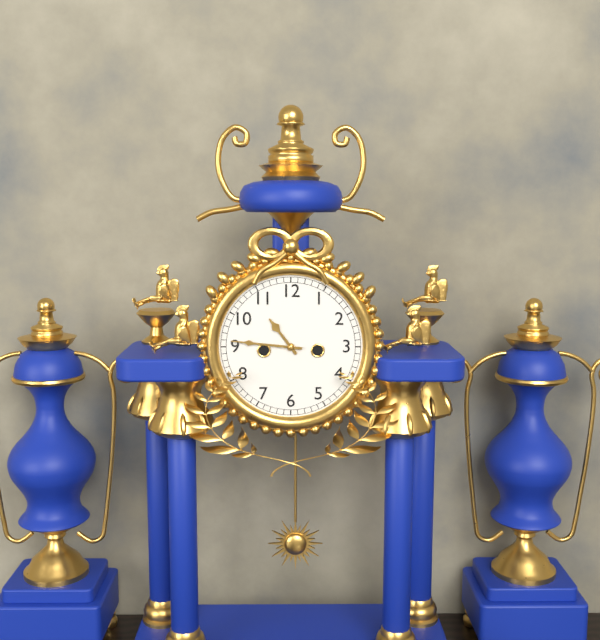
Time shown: **10:46**
